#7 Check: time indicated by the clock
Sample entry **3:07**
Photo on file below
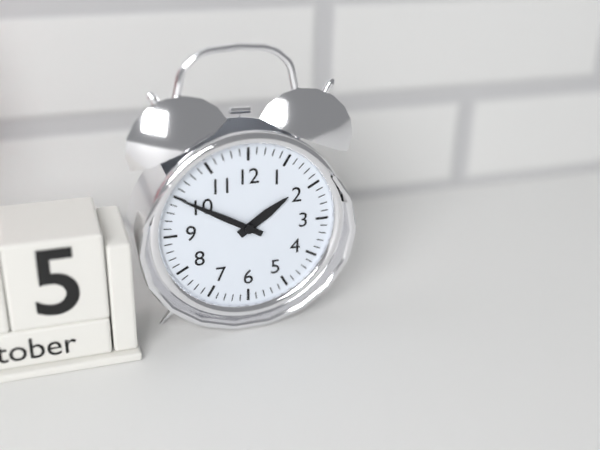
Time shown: **1:50**
